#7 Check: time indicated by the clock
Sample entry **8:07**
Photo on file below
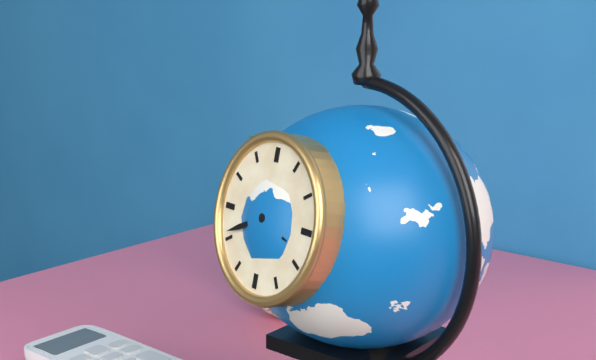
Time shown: **3:41**
